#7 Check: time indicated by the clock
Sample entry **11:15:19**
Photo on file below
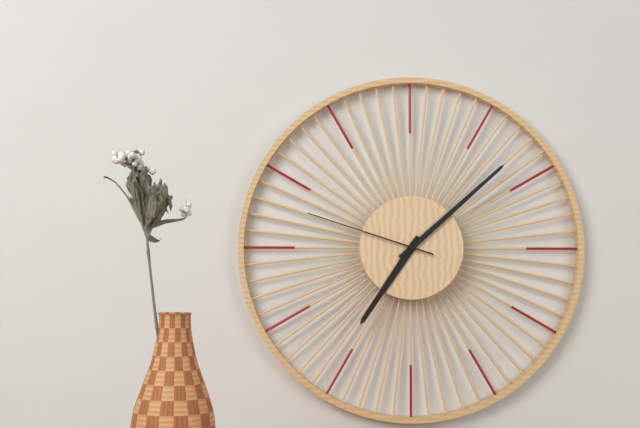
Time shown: **7:08:48**
